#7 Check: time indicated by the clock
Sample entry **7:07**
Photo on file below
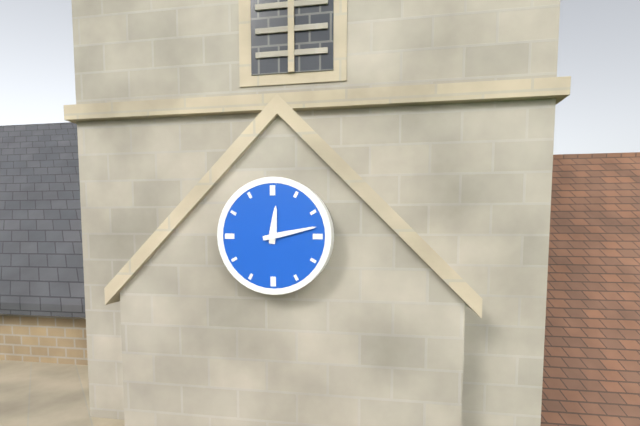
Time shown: **12:13**
